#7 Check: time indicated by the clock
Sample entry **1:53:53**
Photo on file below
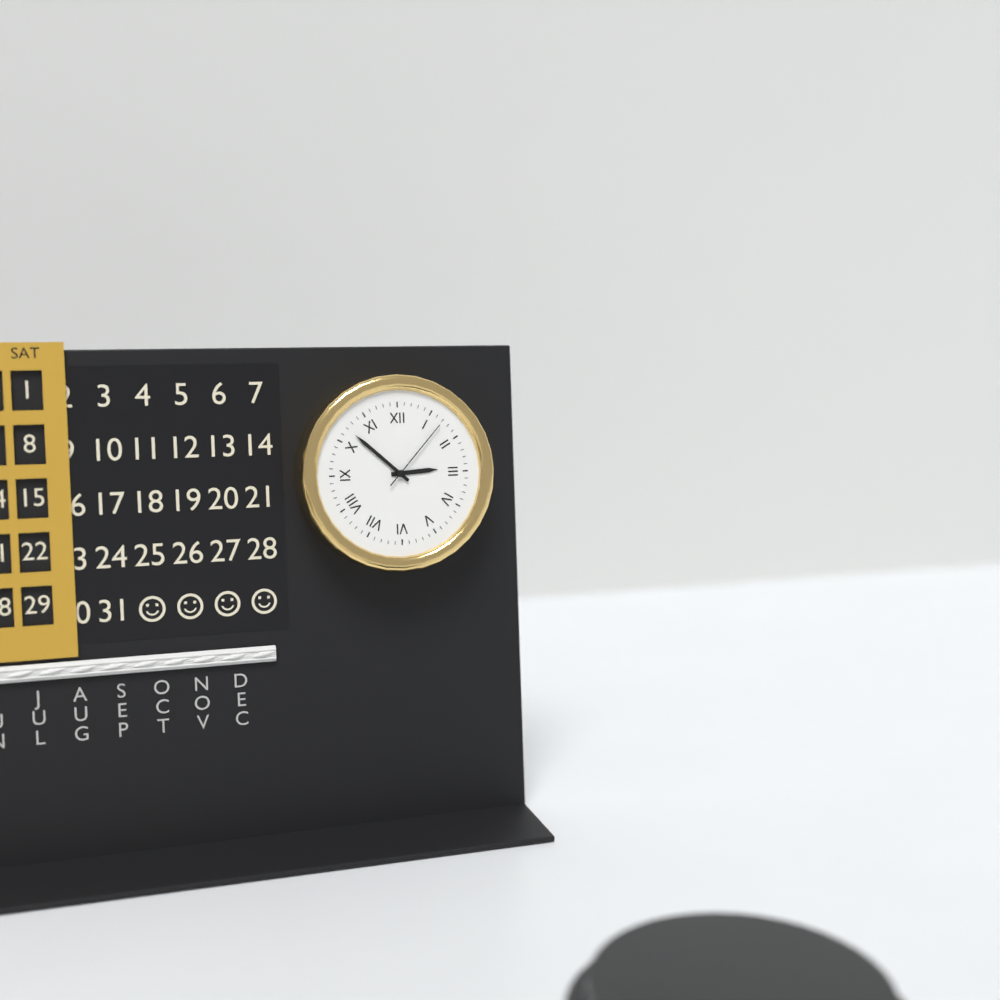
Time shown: **2:52:07**
